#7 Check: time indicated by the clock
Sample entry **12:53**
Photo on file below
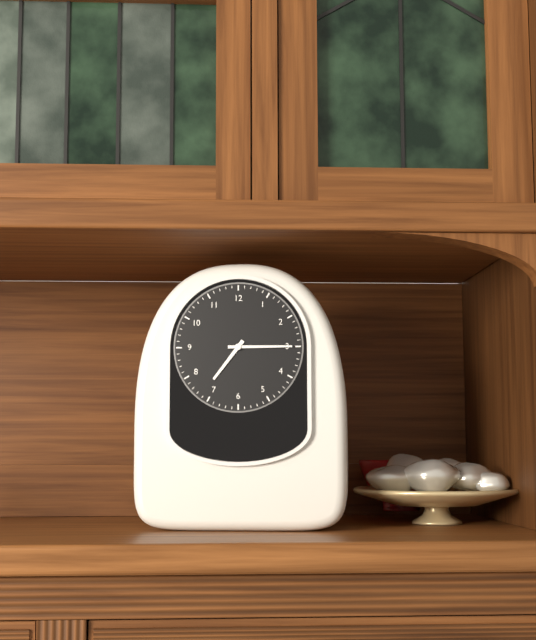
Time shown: **7:15**
